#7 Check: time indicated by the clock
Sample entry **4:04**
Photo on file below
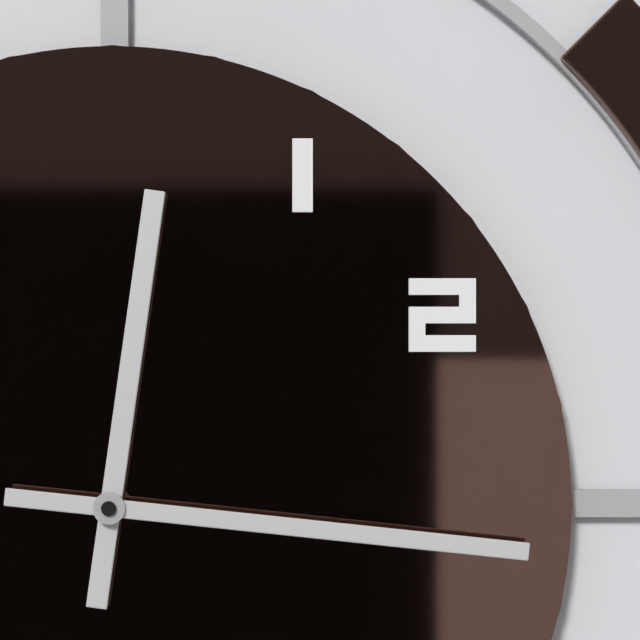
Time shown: **12:16**
